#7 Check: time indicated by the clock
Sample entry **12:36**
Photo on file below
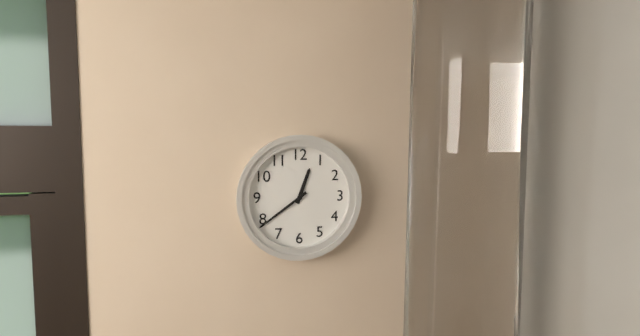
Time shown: **12:39**
